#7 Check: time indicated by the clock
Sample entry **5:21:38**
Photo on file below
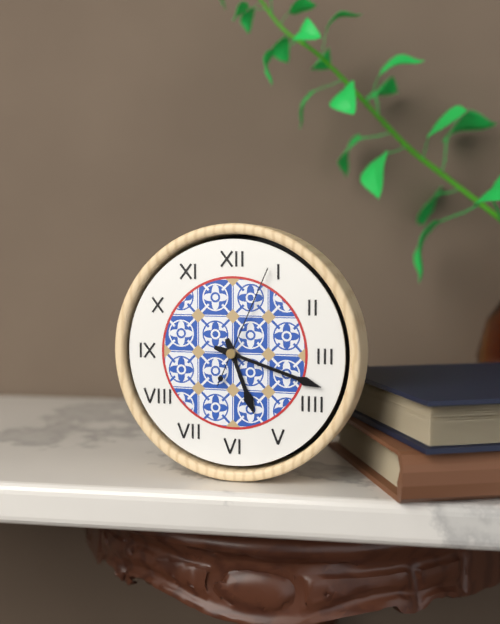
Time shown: **5:18:04**
